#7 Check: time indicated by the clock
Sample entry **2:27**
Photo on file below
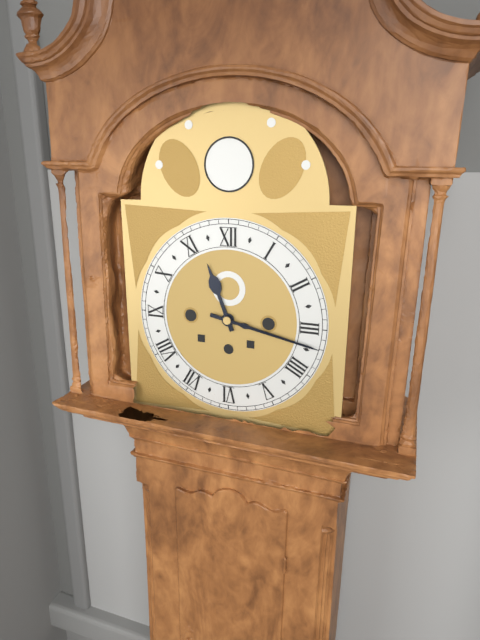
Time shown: **11:17**
